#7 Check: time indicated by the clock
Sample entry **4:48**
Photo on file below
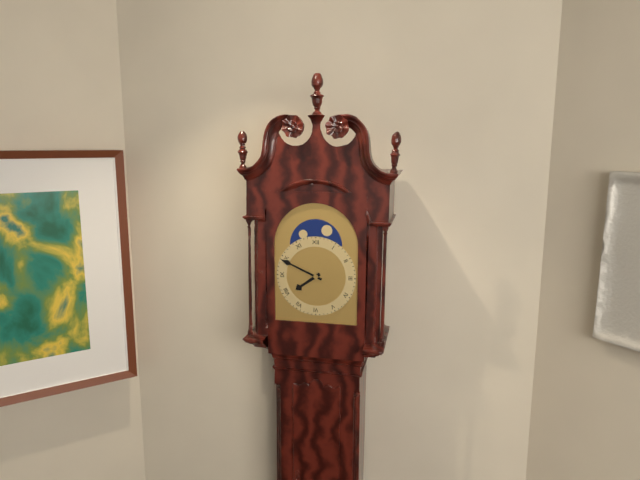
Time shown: **7:49**
